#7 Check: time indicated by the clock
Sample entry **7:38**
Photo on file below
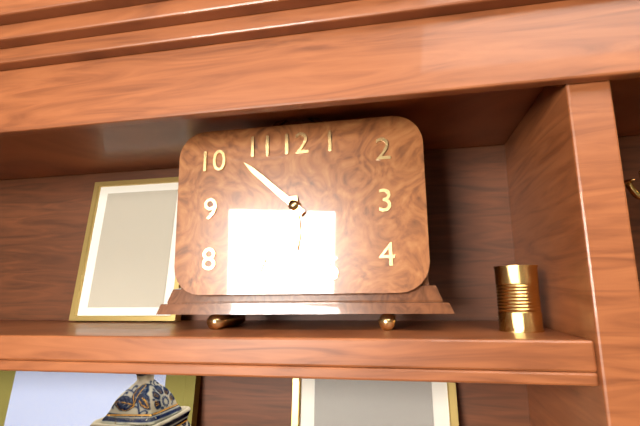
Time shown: **5:52**
